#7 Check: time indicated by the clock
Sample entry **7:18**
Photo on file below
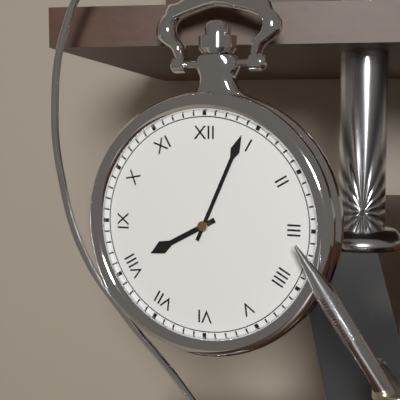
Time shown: **8:04**
